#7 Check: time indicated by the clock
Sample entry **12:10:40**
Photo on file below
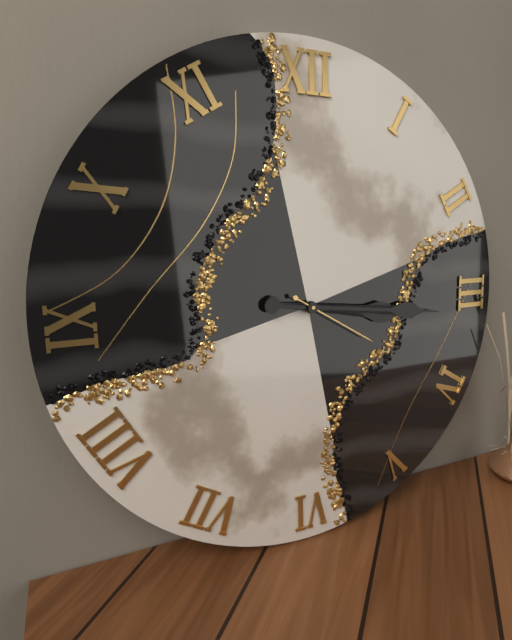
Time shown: **3:16:20**
